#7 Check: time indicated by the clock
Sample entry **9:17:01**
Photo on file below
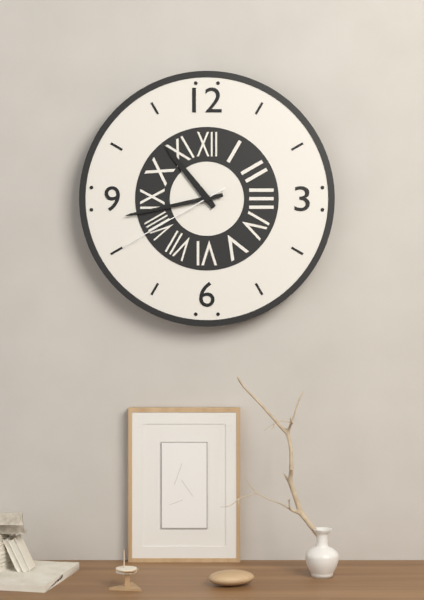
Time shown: **10:43:40**
